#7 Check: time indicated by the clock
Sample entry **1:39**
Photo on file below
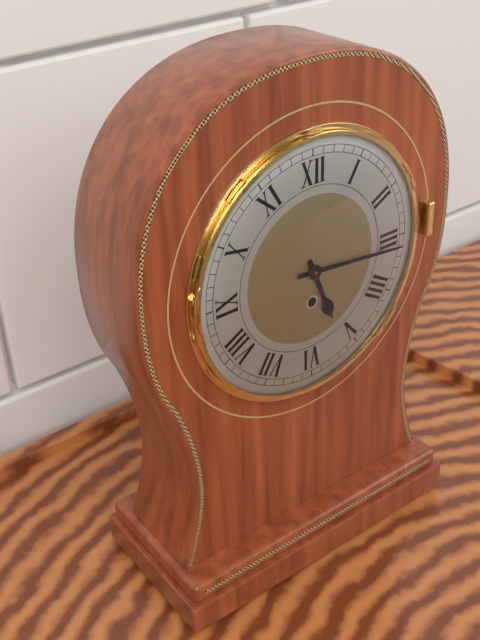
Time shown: **5:16**
